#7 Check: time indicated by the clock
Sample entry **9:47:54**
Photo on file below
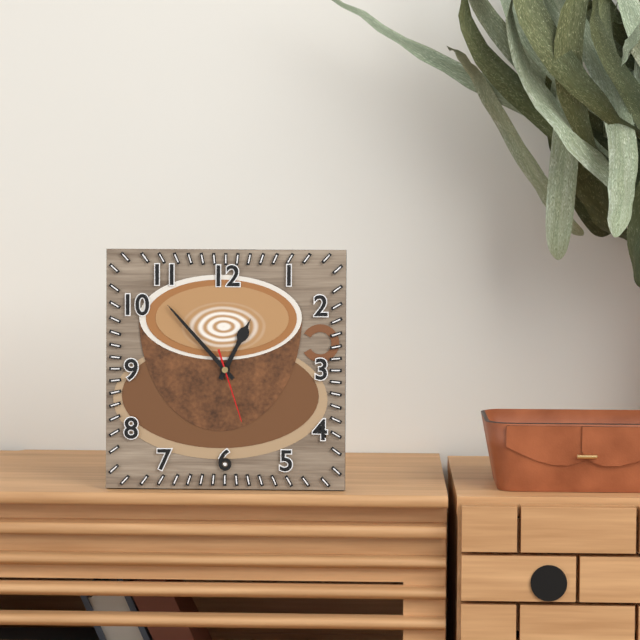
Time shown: **12:53:27**
